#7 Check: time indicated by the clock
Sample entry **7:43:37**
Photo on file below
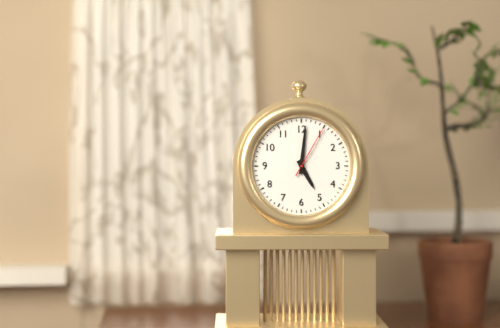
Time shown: **5:01:05**
